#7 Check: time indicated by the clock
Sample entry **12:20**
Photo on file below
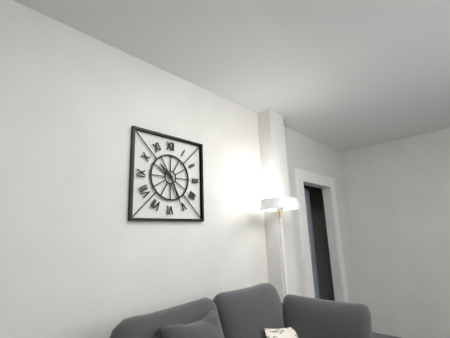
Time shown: **10:26**
